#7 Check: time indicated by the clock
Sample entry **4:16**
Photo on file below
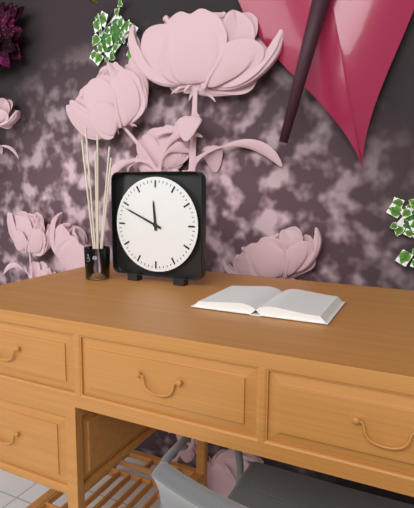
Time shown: **11:49**
